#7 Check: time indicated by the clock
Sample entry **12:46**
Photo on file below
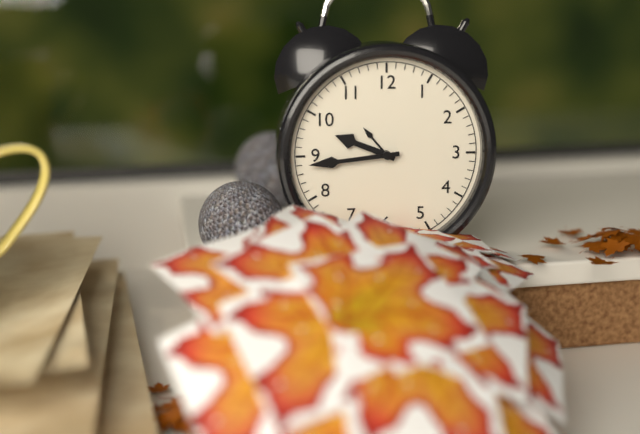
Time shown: **9:44**
